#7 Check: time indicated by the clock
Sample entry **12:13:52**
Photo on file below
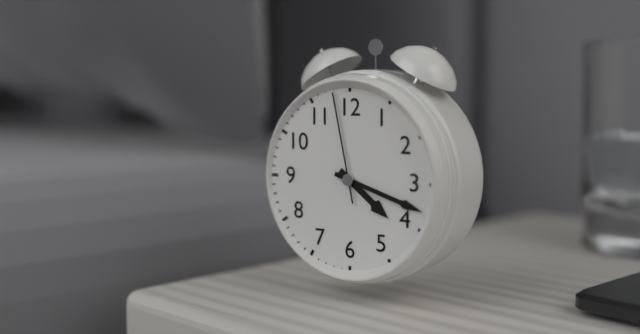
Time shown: **4:18:58**
